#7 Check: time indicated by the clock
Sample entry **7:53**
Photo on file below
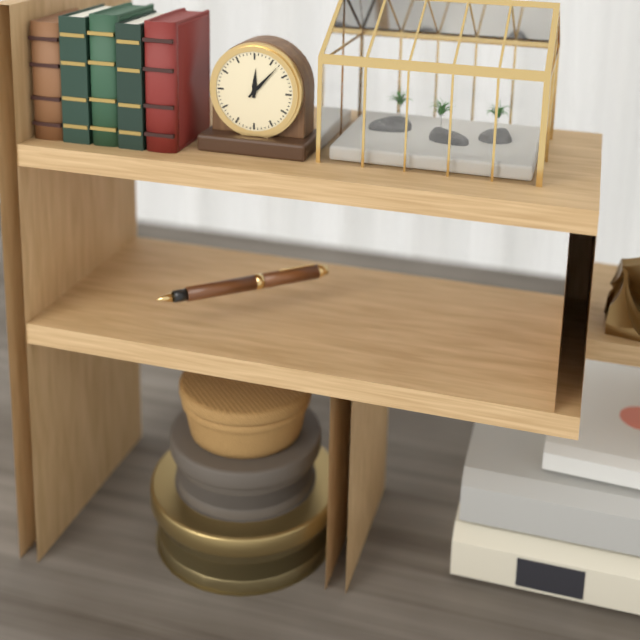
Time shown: **12:07**
